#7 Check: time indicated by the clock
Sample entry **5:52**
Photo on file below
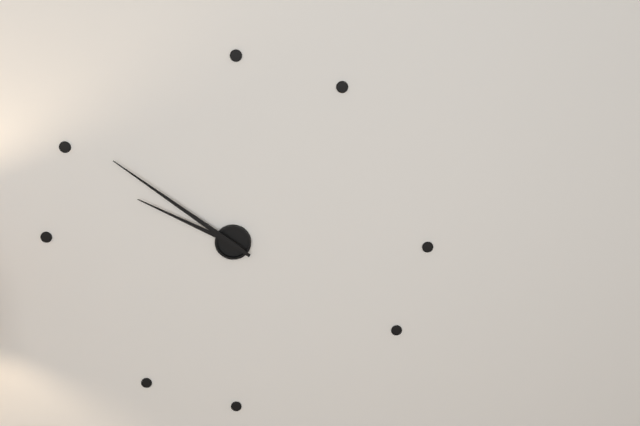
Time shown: **9:51**
